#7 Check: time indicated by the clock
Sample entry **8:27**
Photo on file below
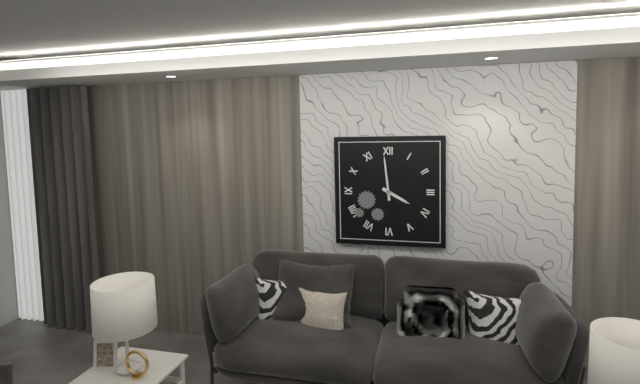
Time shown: **3:59**
